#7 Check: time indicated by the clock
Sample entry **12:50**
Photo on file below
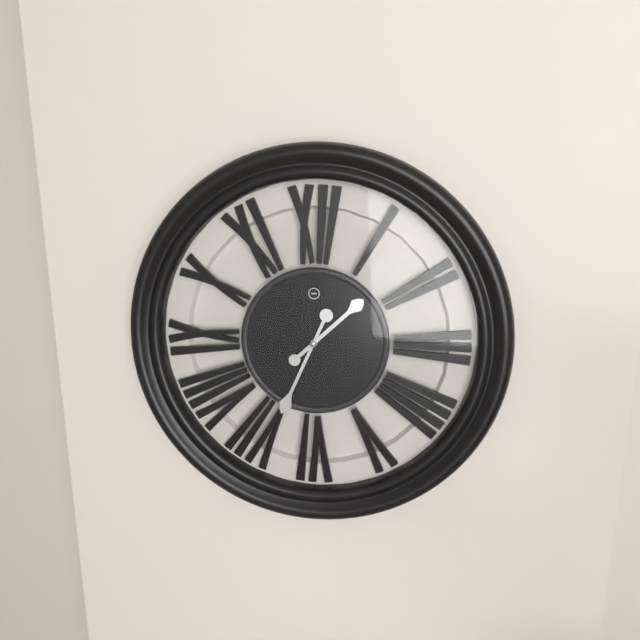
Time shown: **1:34**
